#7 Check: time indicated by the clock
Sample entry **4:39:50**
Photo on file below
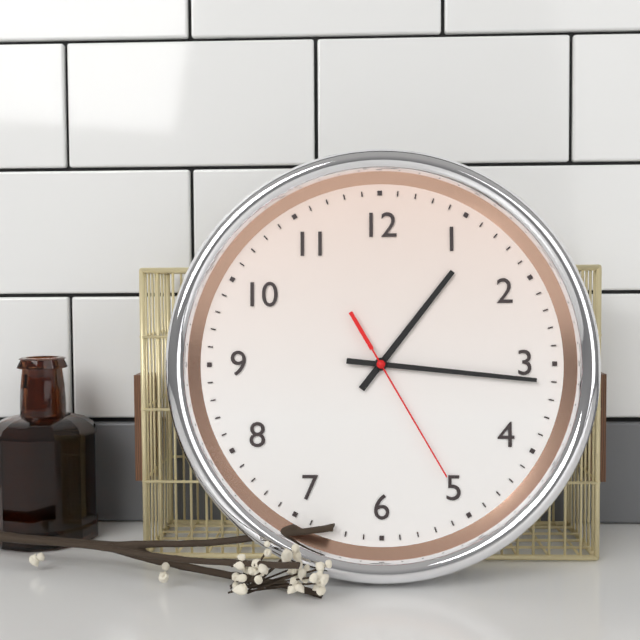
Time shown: **1:16:25**
